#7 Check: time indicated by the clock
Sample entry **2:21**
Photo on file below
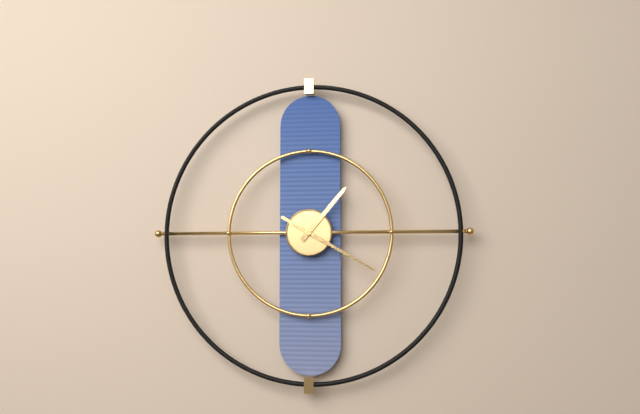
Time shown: **1:20**
